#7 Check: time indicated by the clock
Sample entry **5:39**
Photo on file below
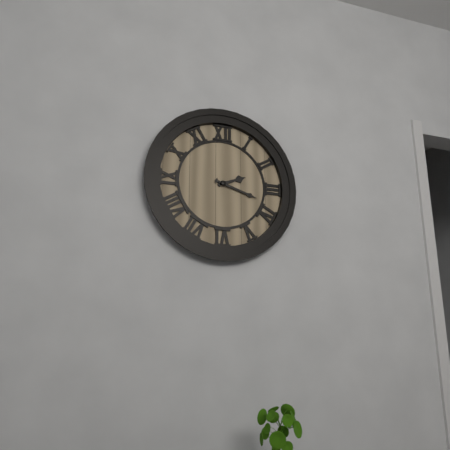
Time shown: **2:18**
